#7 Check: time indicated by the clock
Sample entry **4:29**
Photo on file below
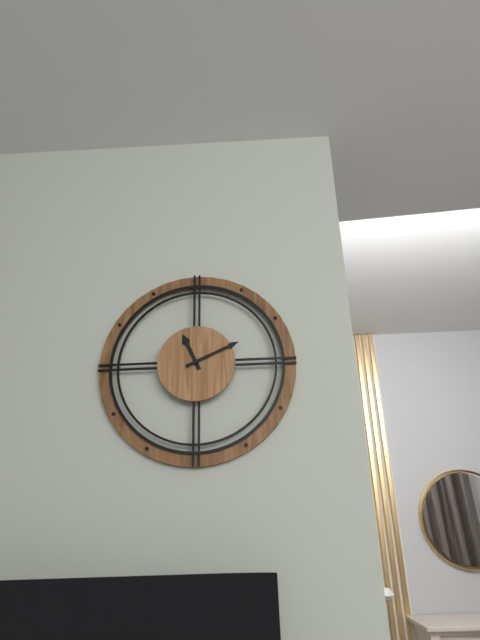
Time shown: **11:11**
